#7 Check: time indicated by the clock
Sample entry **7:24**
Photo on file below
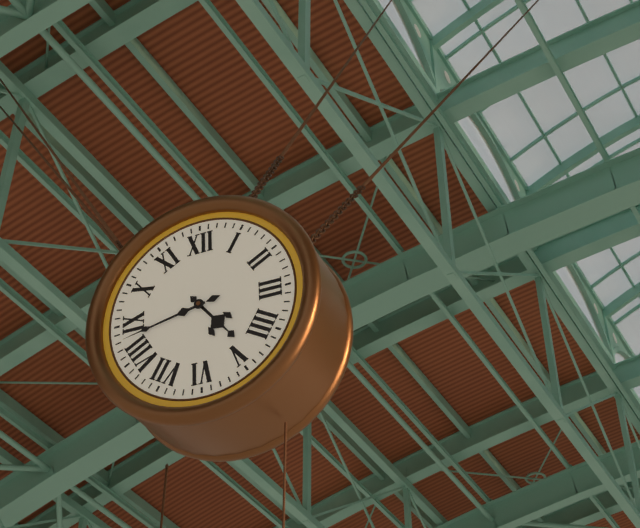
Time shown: **4:43**
